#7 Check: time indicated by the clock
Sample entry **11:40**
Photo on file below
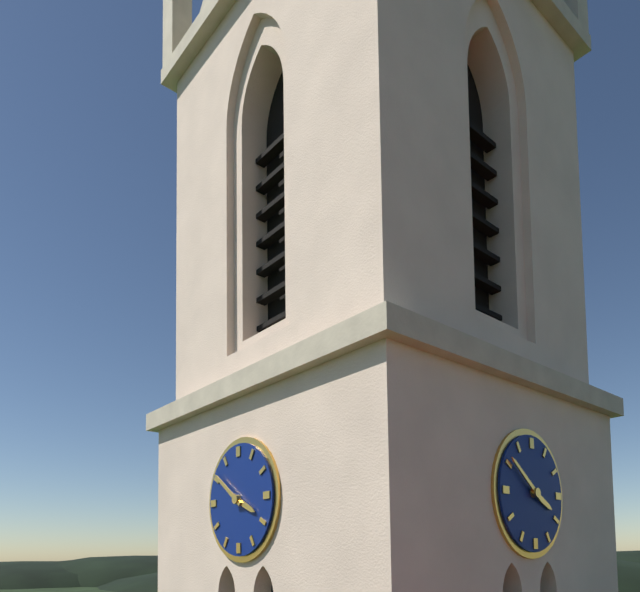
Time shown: **3:51**
